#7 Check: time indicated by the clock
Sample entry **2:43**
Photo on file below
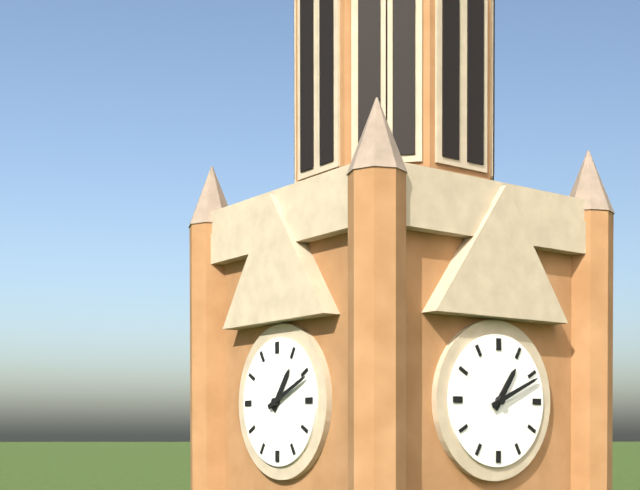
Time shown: **1:11**
